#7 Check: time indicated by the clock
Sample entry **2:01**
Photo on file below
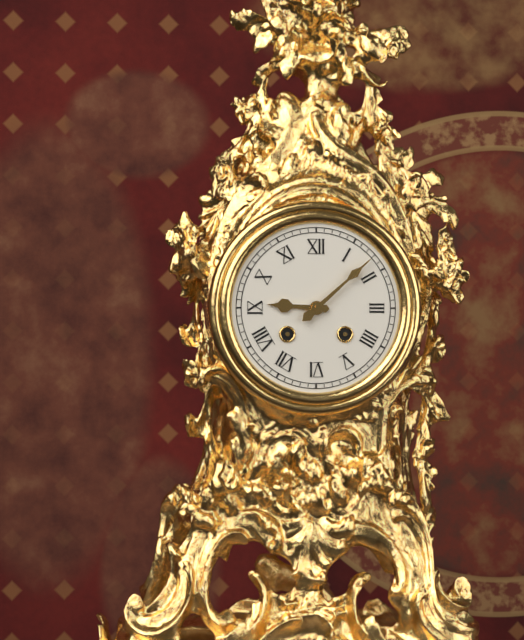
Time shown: **9:08**
